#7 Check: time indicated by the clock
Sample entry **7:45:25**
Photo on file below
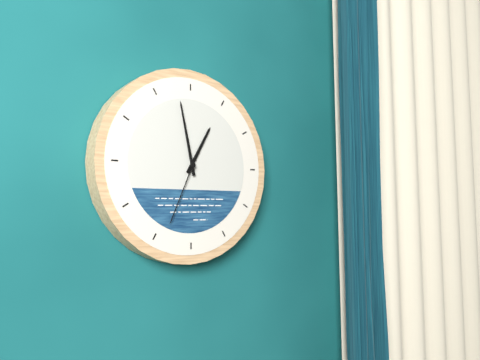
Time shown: **12:58:34**
